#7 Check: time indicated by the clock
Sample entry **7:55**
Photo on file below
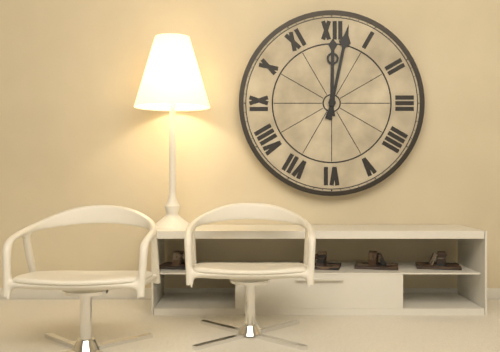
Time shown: **12:02**
